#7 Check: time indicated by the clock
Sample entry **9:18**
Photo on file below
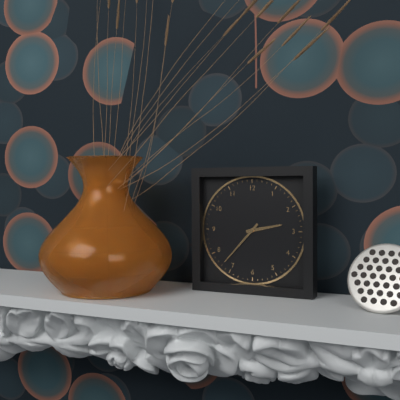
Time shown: **2:37**
